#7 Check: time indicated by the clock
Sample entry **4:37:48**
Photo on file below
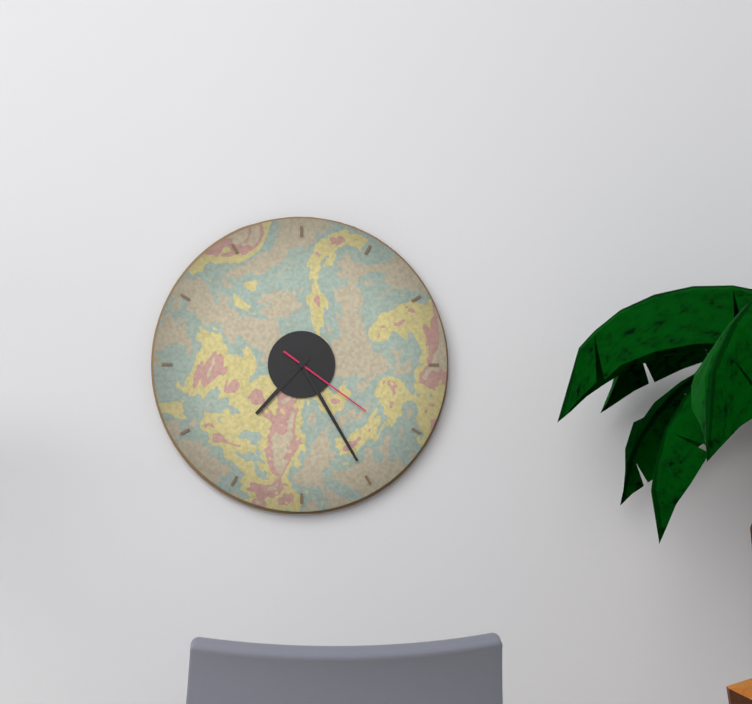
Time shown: **7:25:21**
